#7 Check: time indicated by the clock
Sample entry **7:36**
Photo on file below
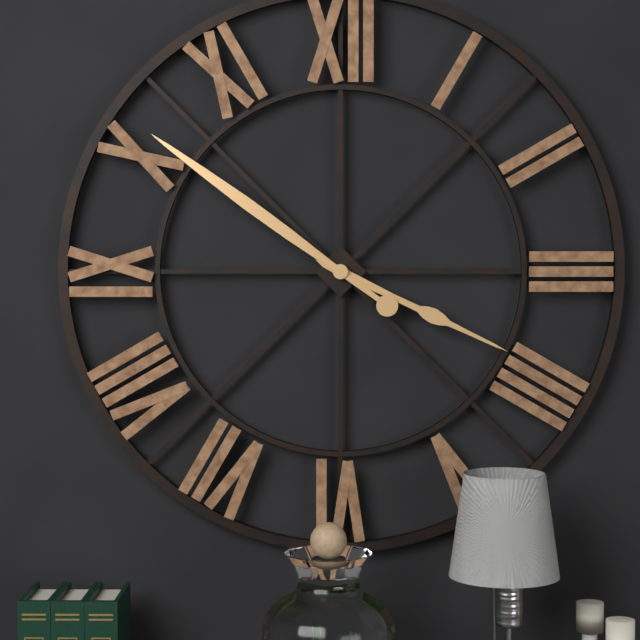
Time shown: **3:51**
